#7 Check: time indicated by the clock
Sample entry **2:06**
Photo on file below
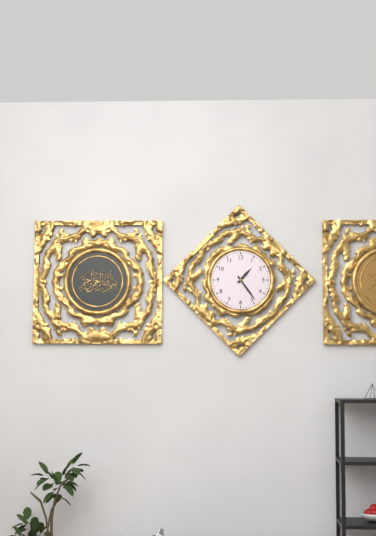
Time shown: **1:24**
